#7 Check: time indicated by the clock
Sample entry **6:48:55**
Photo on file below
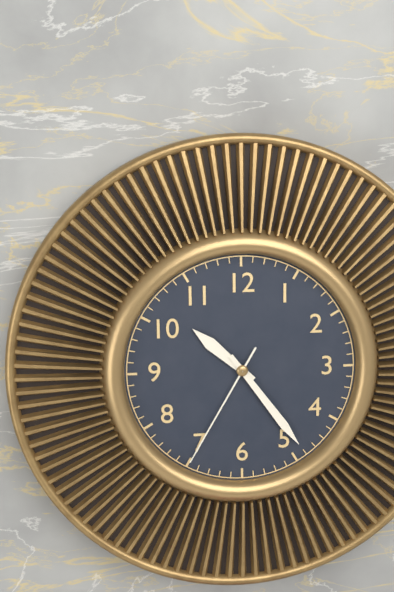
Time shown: **10:24:35**
